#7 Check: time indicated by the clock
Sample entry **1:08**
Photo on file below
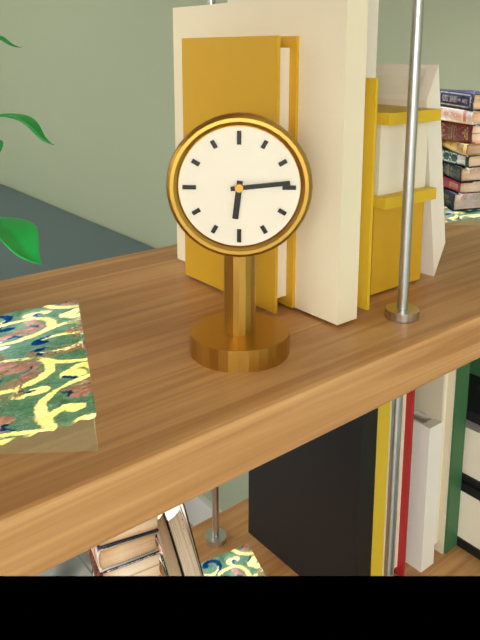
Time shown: **6:14**
